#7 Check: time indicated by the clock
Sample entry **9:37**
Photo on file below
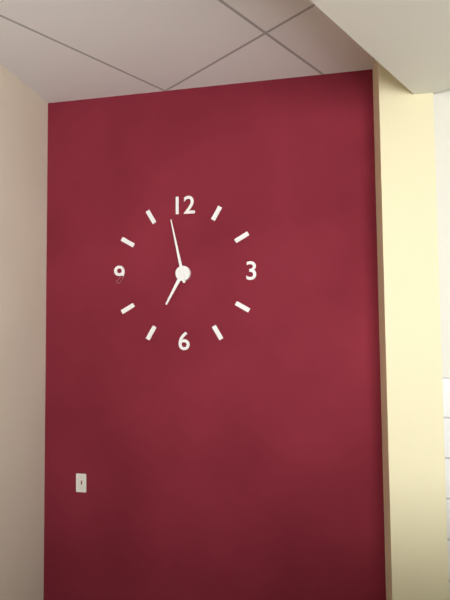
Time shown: **6:58**
